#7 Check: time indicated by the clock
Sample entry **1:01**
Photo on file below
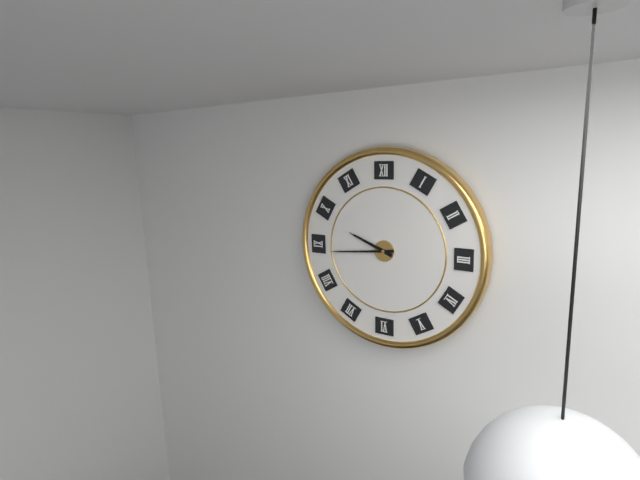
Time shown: **9:44**
